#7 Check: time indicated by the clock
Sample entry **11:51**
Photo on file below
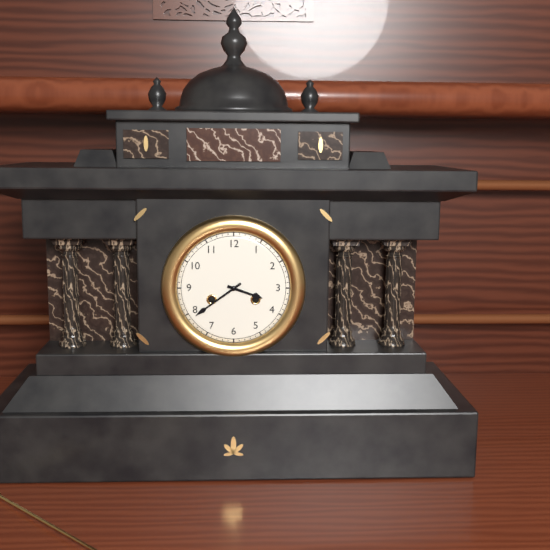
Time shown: **3:39**
